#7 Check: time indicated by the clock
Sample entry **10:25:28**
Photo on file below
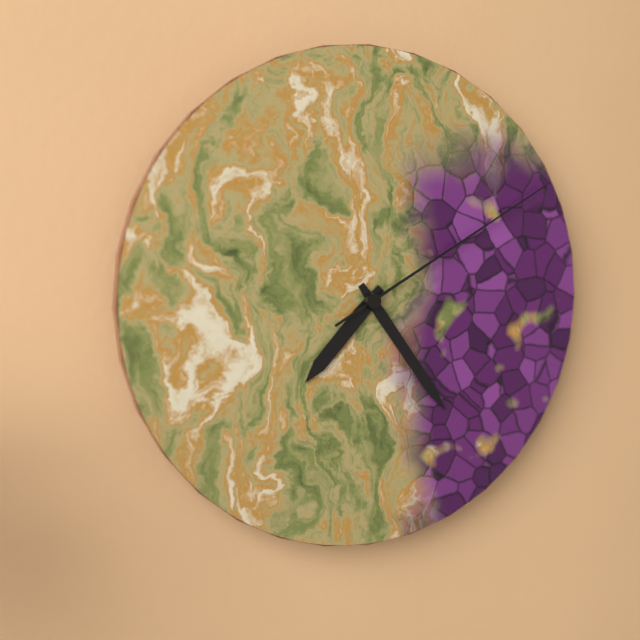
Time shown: **7:24:10**
